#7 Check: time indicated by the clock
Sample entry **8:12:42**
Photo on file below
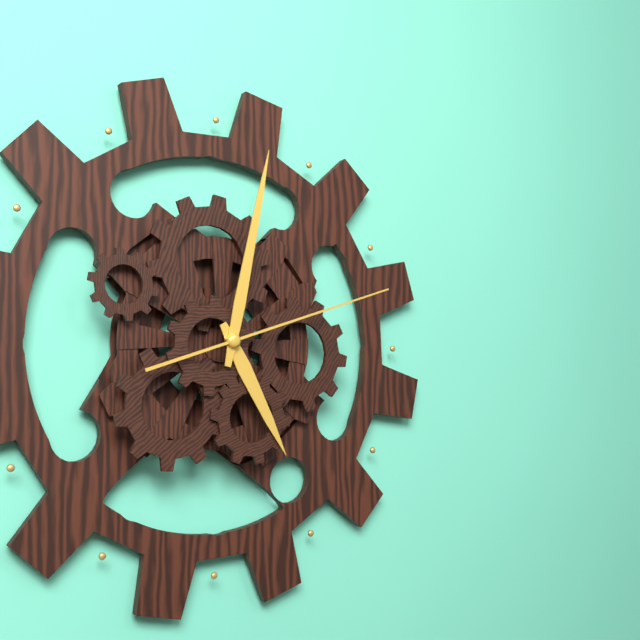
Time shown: **5:02:12**
